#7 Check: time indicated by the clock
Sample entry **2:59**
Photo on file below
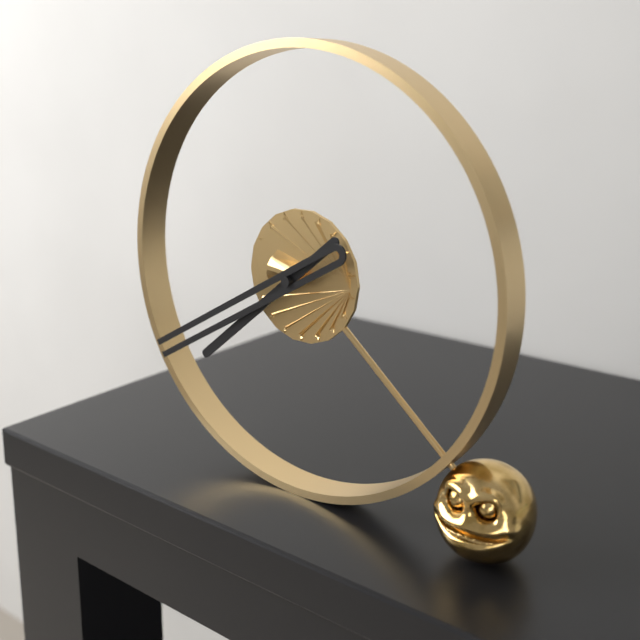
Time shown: **7:40**
